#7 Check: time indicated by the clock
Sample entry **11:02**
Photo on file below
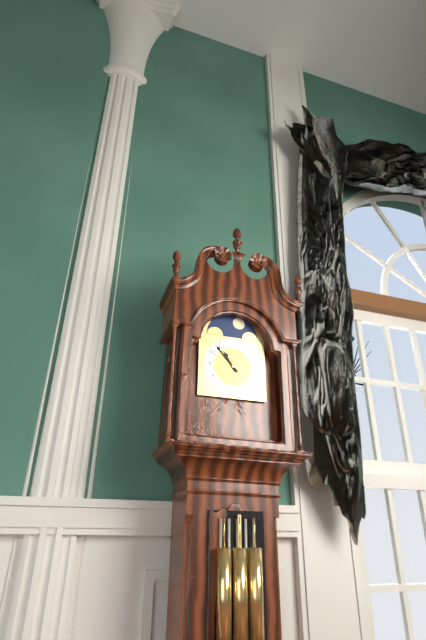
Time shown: **10:53**
